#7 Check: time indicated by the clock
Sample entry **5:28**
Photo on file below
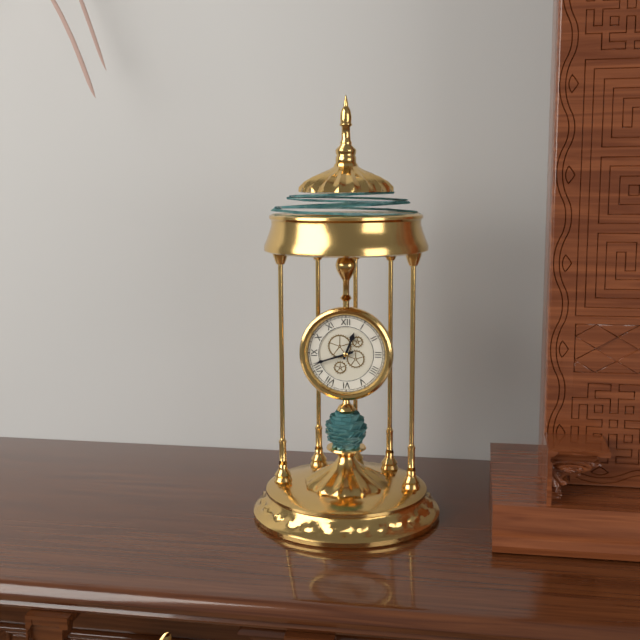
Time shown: **12:42**
